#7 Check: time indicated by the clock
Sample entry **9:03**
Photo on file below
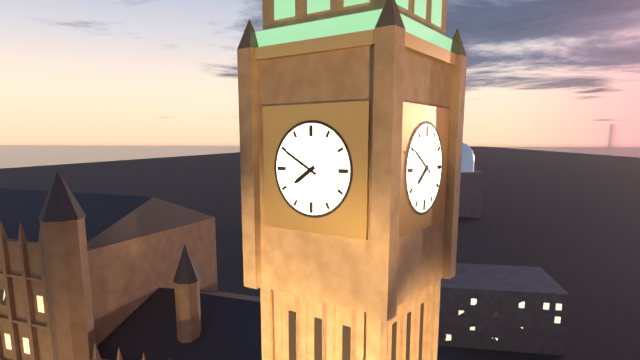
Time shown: **7:50**
